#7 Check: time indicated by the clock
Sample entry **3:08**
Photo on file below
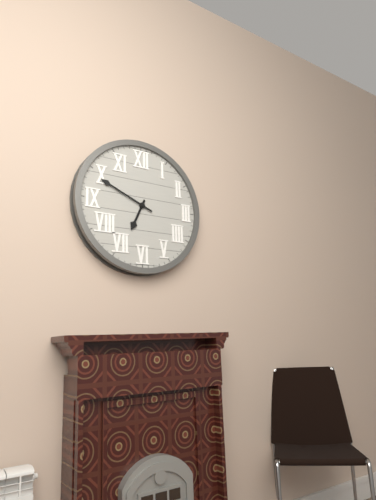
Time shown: **6:49**
